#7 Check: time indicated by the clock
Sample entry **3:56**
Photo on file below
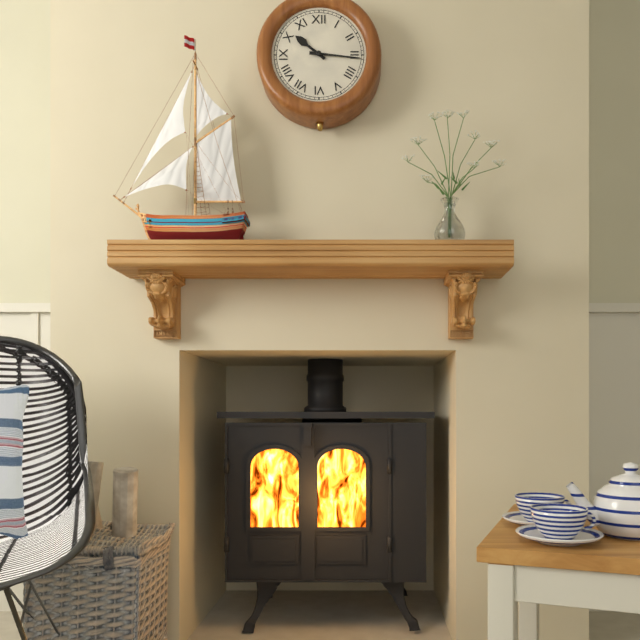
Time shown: **10:16**
